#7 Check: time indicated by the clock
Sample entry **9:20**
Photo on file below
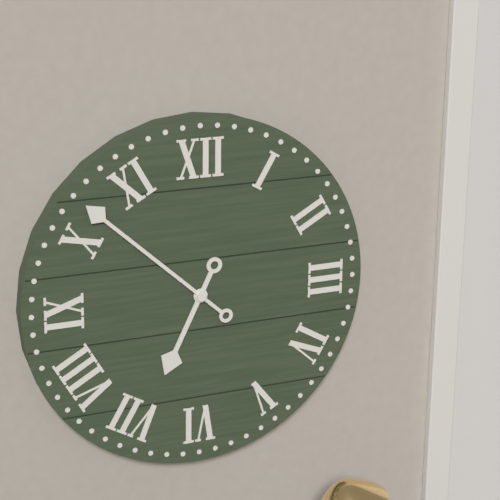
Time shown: **6:52**
